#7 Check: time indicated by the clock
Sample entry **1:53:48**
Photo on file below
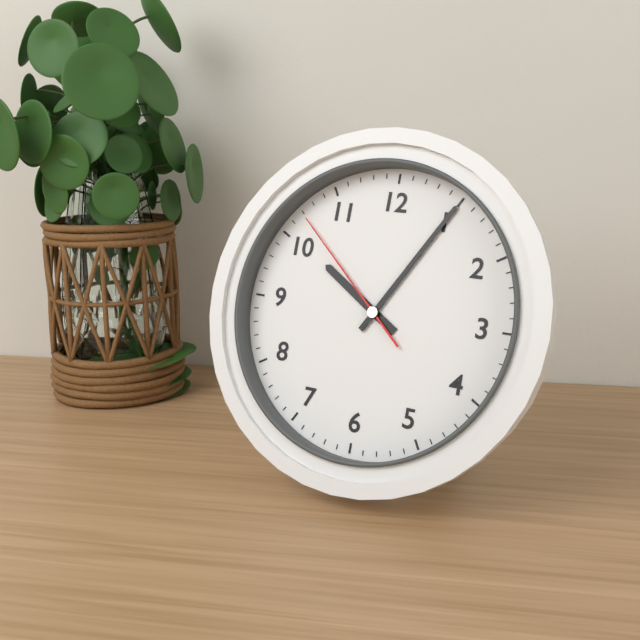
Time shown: **10:05:52**
